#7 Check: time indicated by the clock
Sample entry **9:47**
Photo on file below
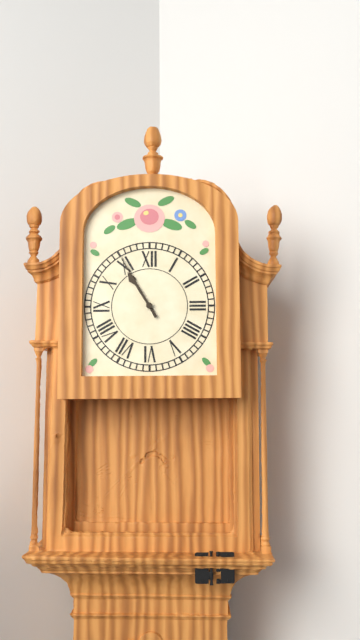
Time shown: **10:55**
